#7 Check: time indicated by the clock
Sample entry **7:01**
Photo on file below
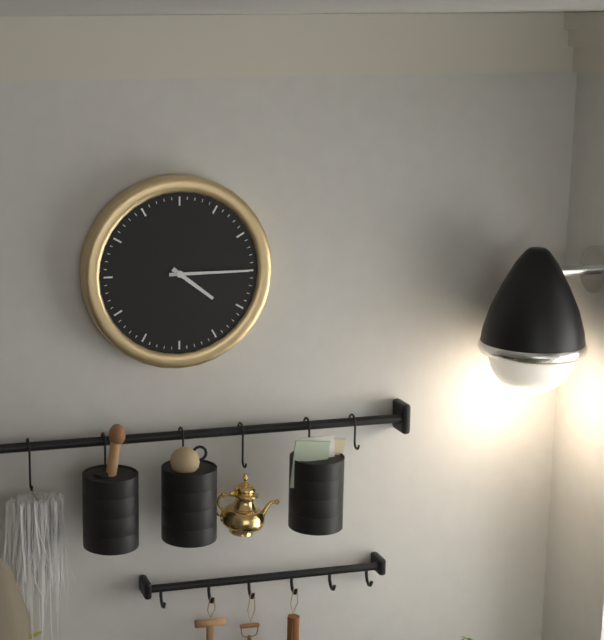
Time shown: **4:15**
